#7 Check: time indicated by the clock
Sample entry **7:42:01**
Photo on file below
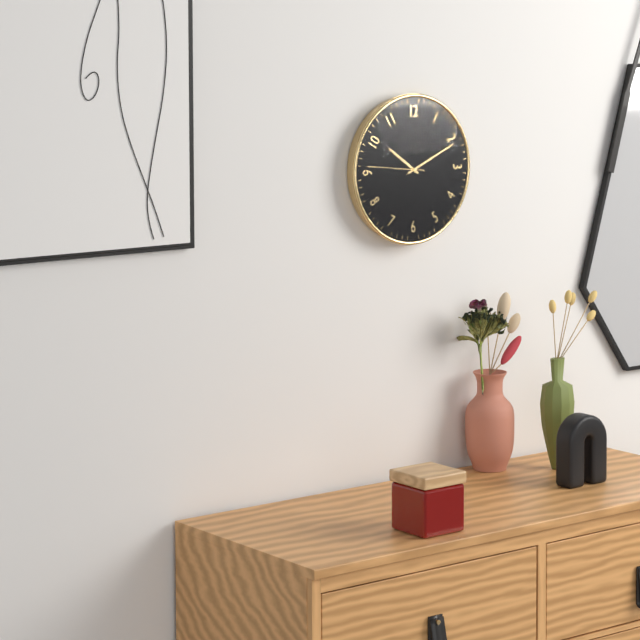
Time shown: **10:11:46**
